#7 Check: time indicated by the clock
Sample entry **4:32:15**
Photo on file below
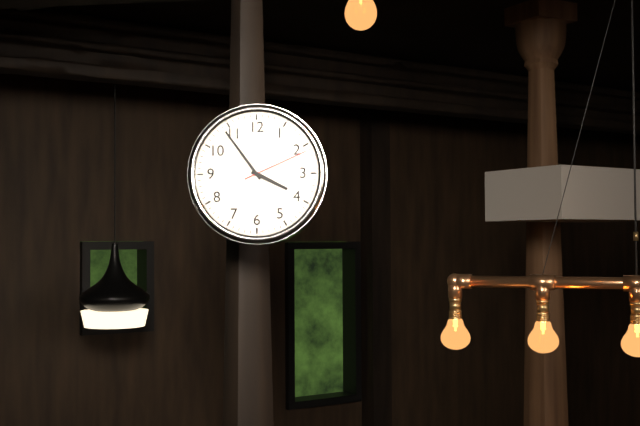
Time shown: **3:54:11**
